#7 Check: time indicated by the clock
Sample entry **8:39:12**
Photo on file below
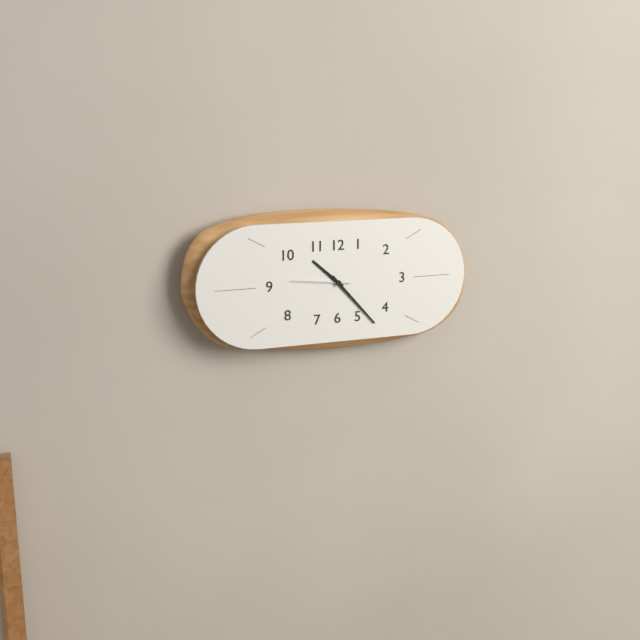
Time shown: **10:23:46**
